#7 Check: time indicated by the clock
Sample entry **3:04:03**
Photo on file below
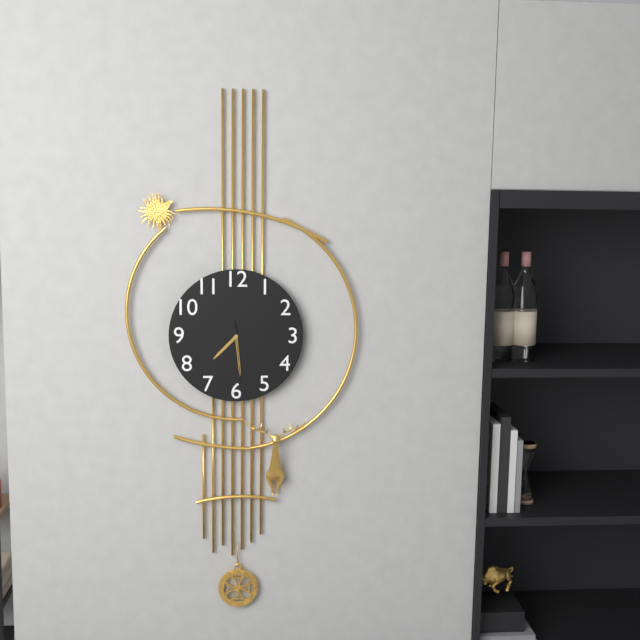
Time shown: **7:29:29**
